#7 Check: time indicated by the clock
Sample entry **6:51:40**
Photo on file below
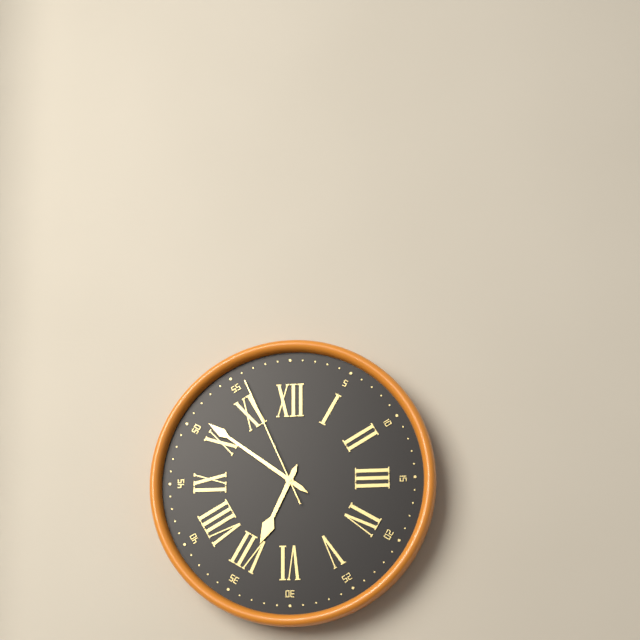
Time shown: **6:51:56**
